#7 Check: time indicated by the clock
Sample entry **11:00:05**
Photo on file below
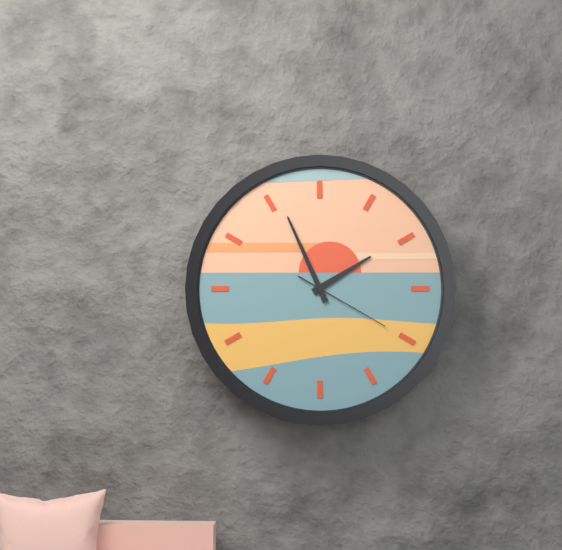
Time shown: **1:56:20**
